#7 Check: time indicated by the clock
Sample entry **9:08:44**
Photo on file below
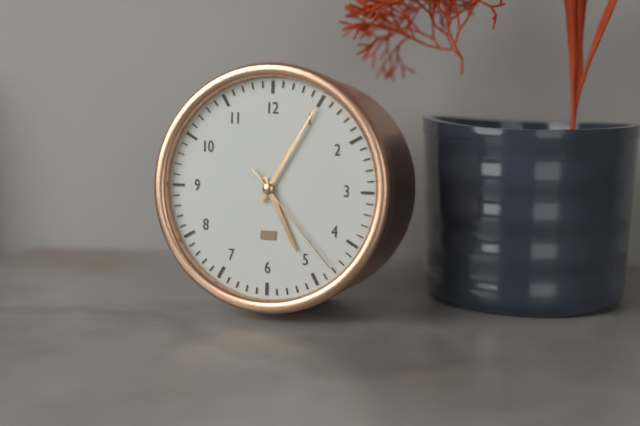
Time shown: **5:05:23**
